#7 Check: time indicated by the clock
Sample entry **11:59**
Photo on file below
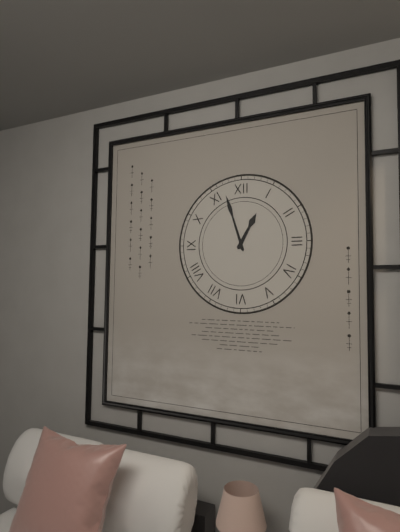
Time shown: **12:57**
